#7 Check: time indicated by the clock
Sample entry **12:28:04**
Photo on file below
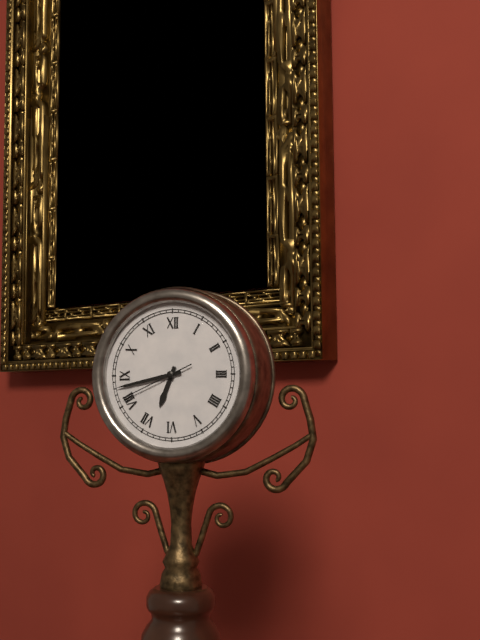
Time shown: **6:43:41**
